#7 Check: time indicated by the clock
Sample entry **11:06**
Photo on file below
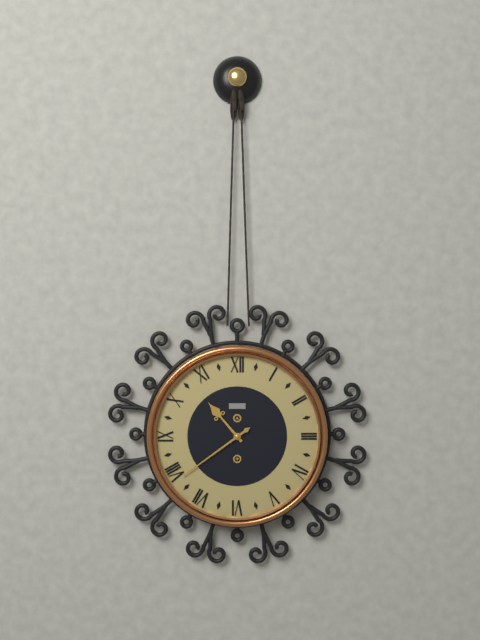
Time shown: **10:39**
